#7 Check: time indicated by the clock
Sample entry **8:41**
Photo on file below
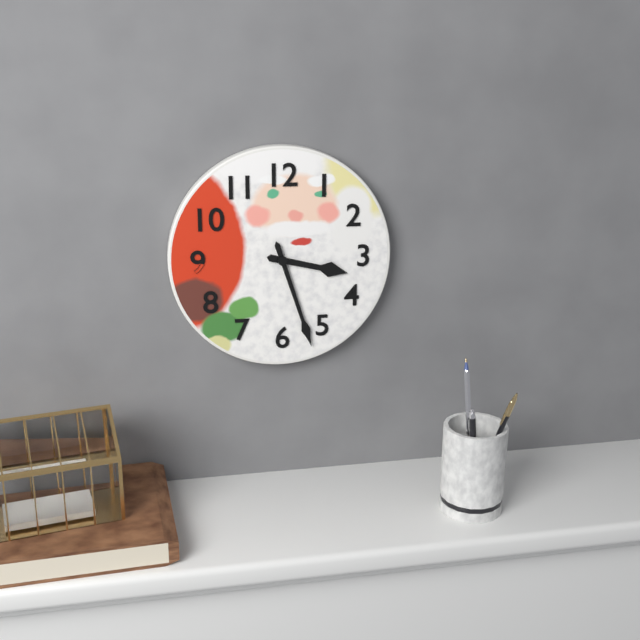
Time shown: **3:27**
